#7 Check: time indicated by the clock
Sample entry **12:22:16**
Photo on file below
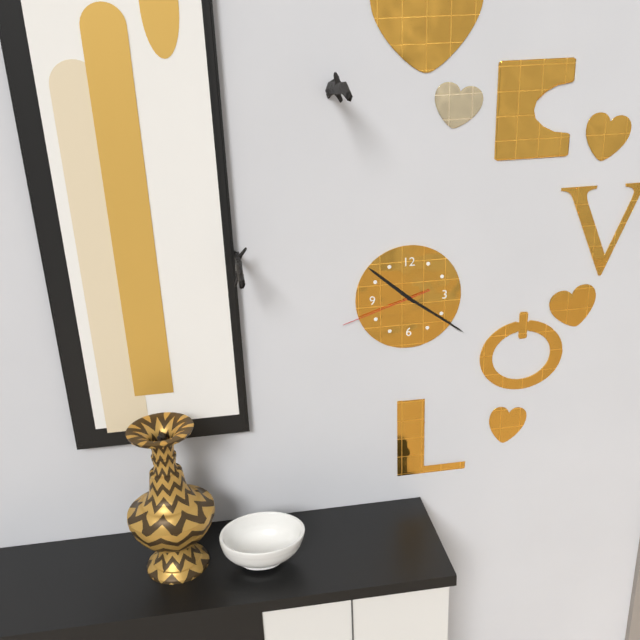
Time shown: **10:21:42**
